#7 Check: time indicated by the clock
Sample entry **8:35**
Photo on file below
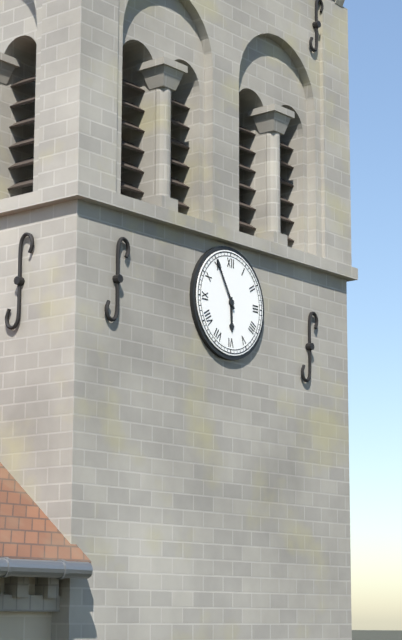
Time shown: **5:55**
